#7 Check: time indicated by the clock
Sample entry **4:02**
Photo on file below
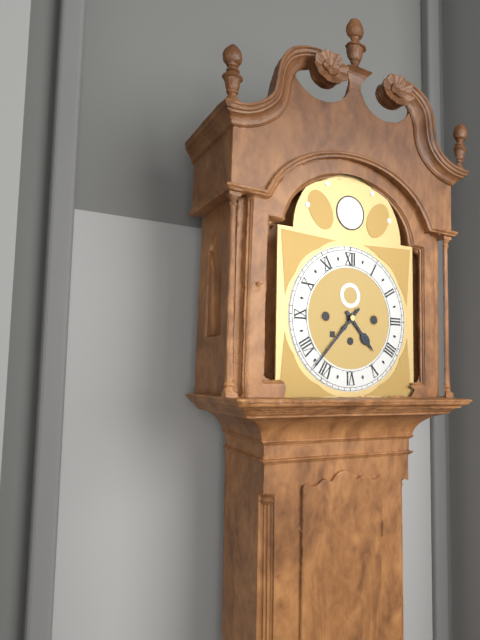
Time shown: **4:37**
